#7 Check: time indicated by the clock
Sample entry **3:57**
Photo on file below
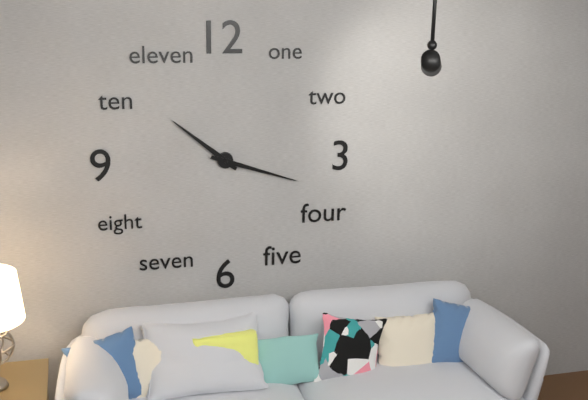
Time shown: **10:18**
